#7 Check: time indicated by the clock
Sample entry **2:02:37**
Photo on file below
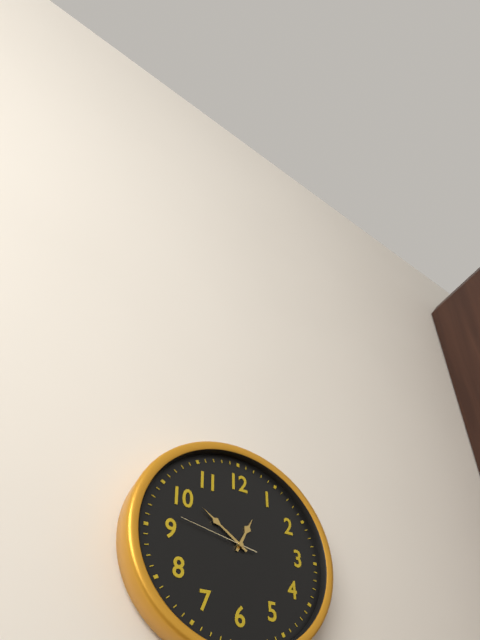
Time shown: **12:51:47**
